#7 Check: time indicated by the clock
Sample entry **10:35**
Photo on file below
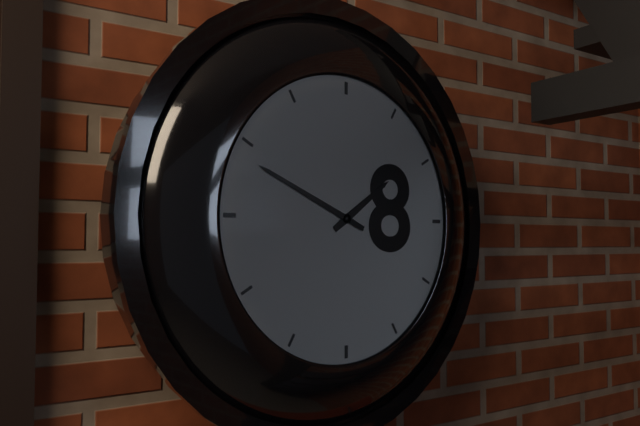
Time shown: **1:49**
